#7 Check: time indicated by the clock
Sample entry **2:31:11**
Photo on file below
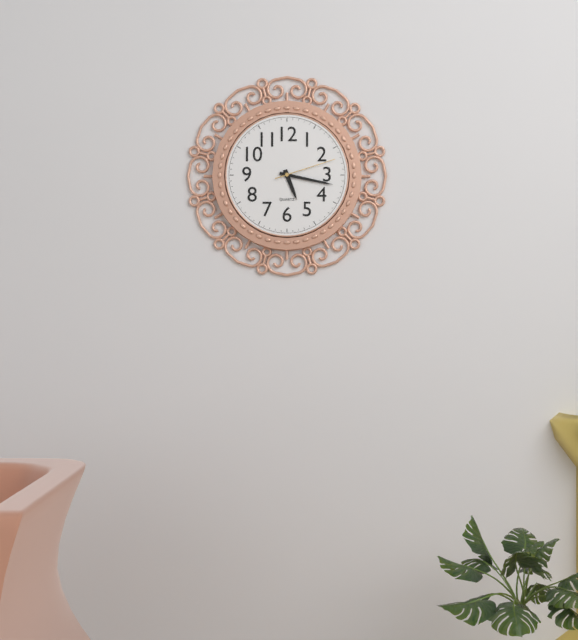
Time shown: **5:17:12**
